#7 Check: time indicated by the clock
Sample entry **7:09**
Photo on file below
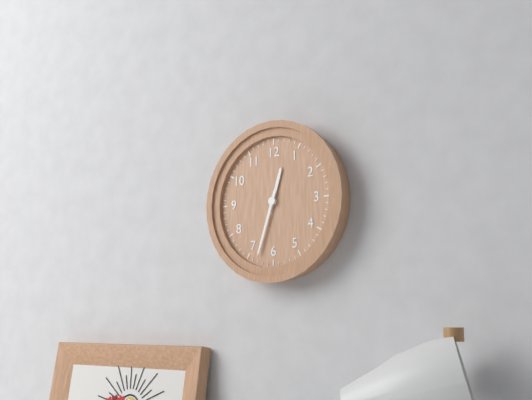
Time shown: **12:33**
